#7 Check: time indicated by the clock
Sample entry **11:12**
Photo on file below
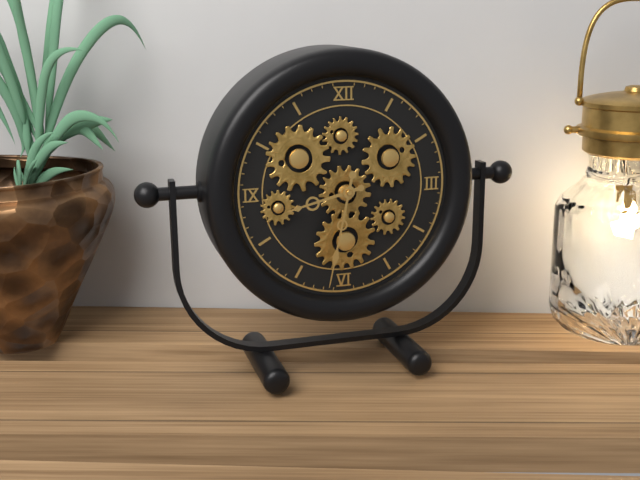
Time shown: **8:32**
